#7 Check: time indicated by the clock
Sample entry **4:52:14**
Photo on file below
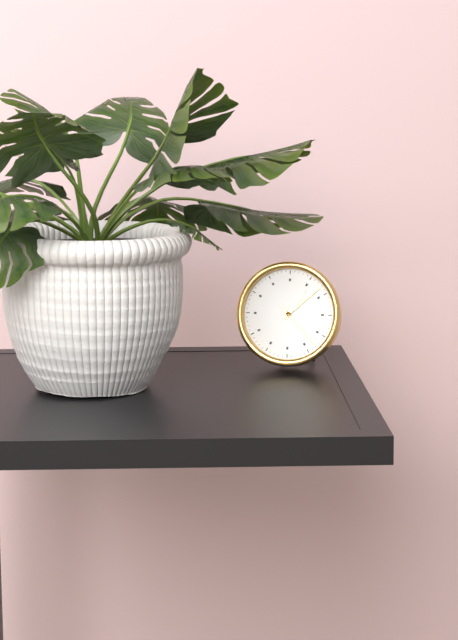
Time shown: **1:08:23**
